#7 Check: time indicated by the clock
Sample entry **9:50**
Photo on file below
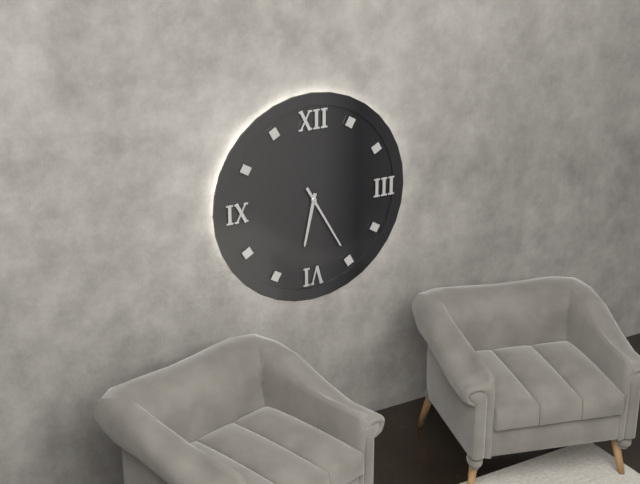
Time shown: **6:25**
